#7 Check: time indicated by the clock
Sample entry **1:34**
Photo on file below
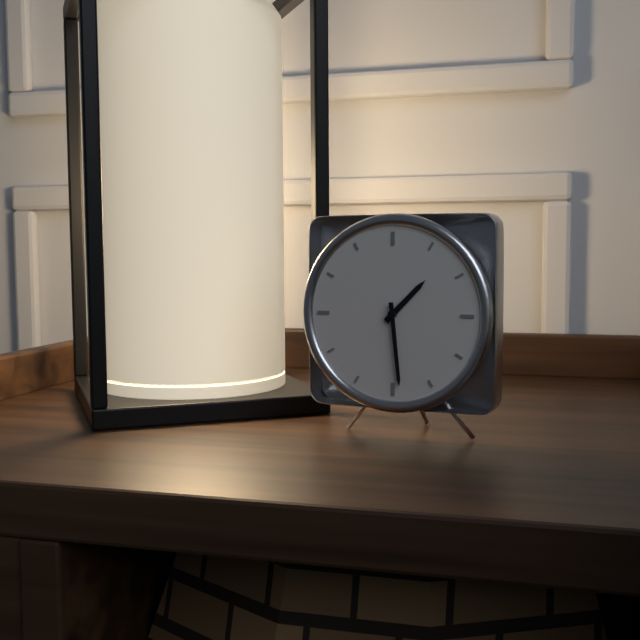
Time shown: **1:29**
